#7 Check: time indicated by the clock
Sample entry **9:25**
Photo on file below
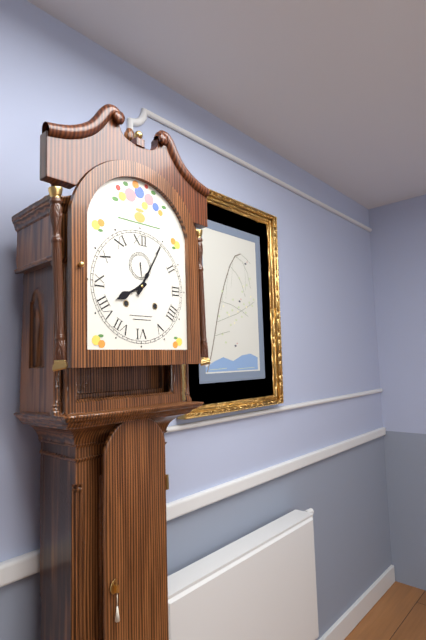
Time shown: **8:05**
